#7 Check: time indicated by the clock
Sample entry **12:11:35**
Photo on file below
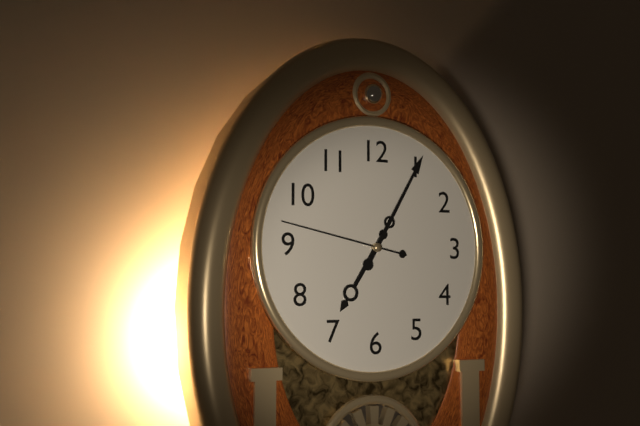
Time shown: **7:05:47**
